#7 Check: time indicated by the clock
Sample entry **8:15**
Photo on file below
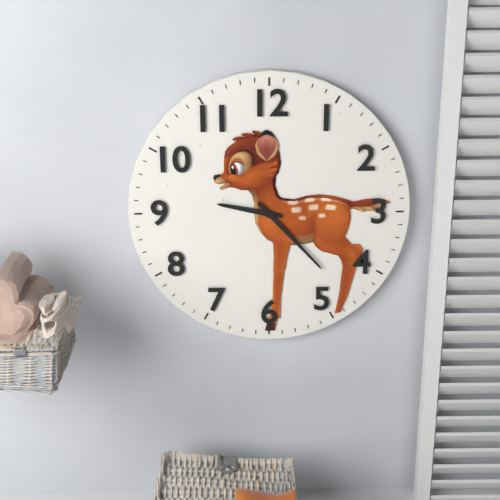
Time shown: **9:23**
